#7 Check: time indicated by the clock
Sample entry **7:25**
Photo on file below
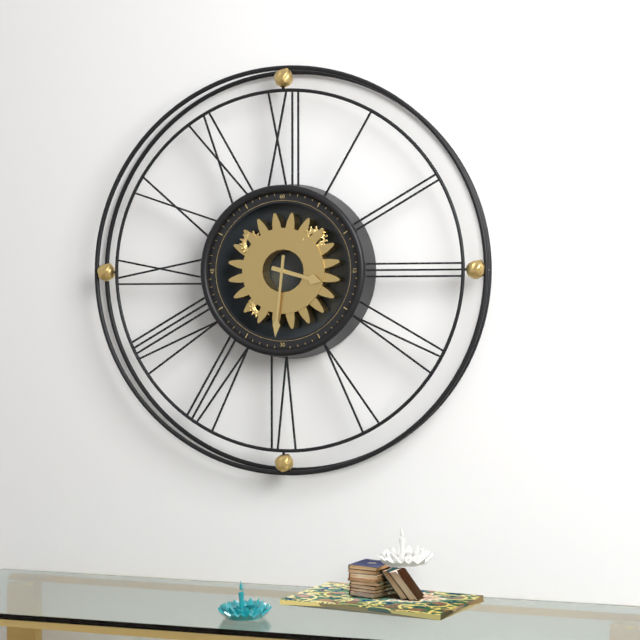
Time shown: **3:31**
